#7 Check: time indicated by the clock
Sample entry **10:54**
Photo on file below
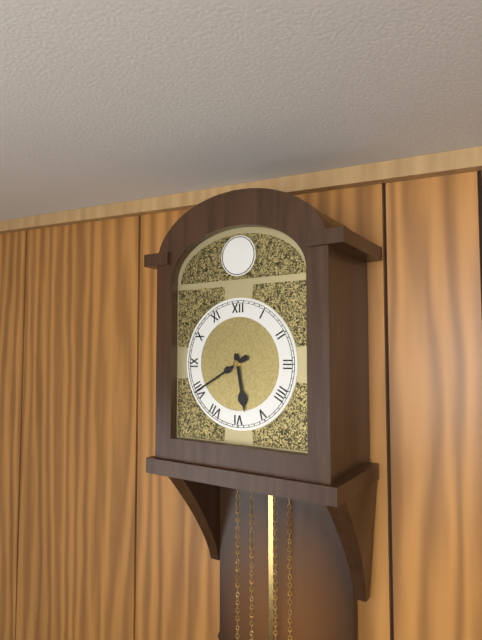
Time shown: **5:40**
